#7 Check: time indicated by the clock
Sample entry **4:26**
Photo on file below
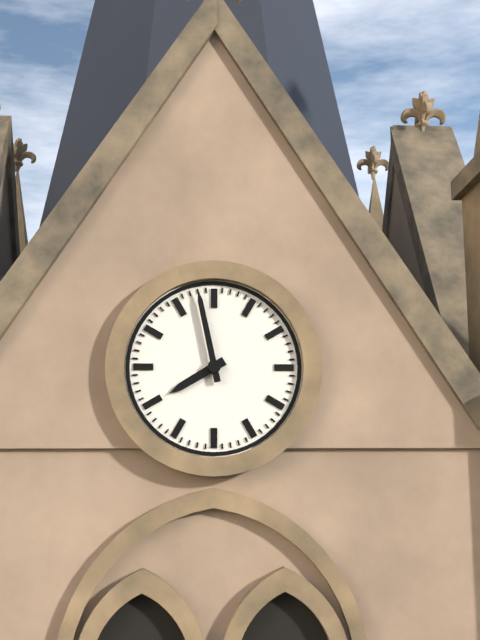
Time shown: **7:58**
